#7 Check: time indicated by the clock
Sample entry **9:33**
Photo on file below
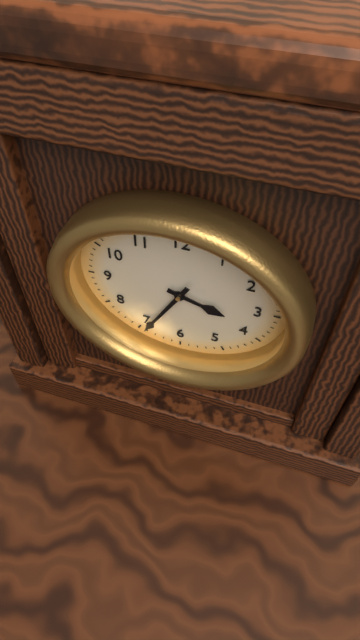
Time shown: **3:35**
